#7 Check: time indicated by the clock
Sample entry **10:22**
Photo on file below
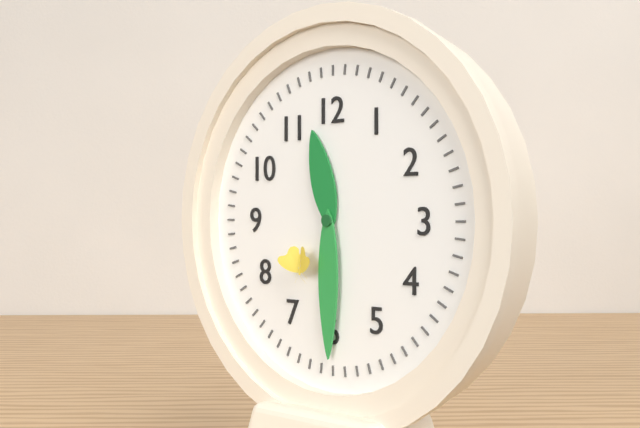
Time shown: **11:30**
